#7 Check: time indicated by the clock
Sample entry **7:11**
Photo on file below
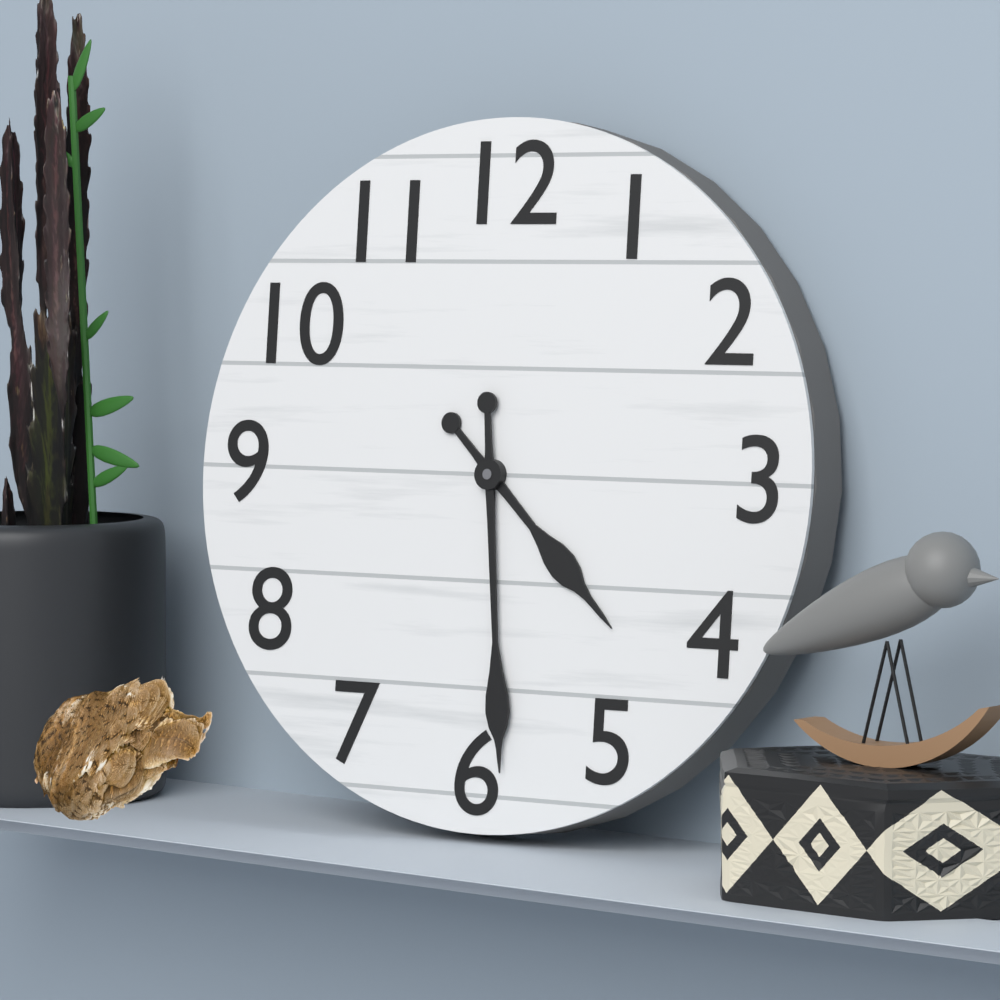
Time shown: **4:29**
